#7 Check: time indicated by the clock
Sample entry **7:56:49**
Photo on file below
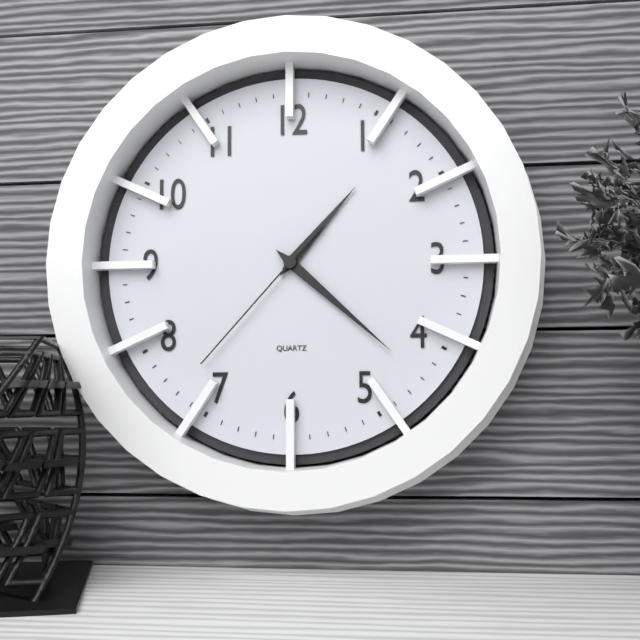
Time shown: **1:22:37**
